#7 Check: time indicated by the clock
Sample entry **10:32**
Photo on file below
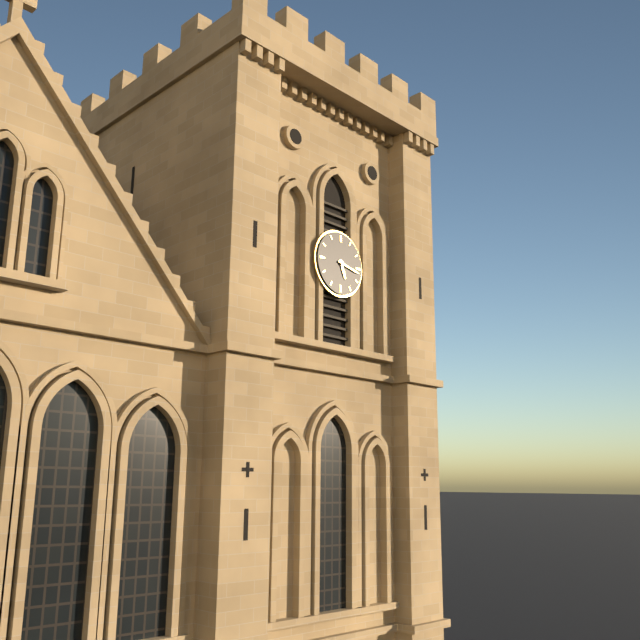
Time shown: **5:17**
